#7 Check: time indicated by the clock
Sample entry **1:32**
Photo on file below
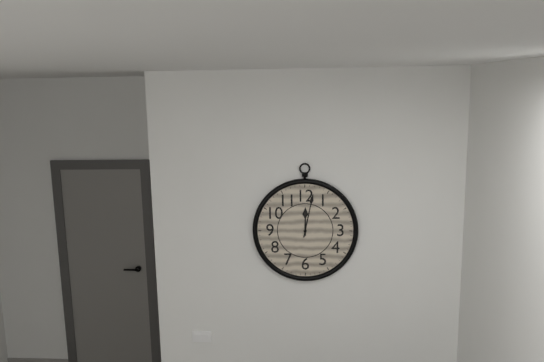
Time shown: **12:02**
